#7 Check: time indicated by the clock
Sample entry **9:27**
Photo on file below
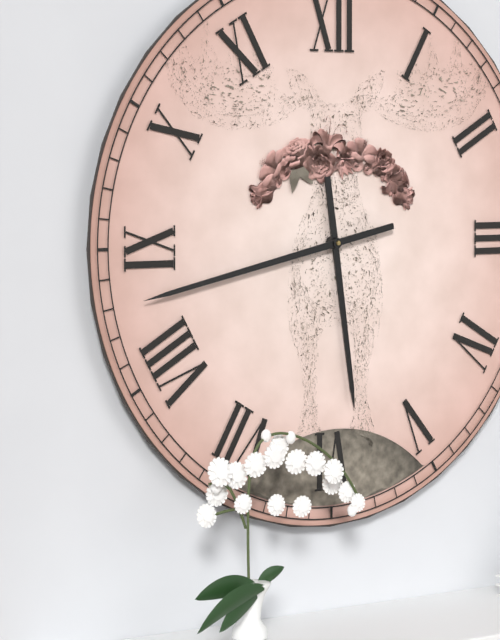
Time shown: **5:43**
